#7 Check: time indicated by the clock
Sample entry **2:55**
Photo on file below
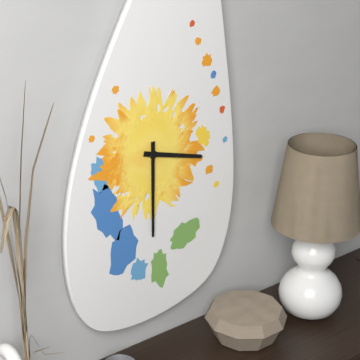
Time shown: **3:30**
